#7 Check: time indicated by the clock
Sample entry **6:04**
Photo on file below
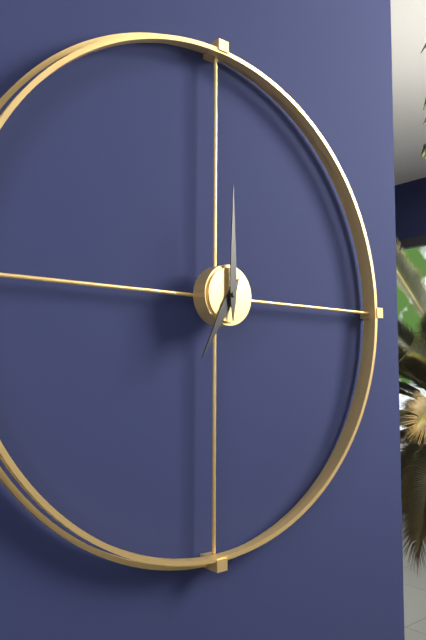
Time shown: **7:00**
